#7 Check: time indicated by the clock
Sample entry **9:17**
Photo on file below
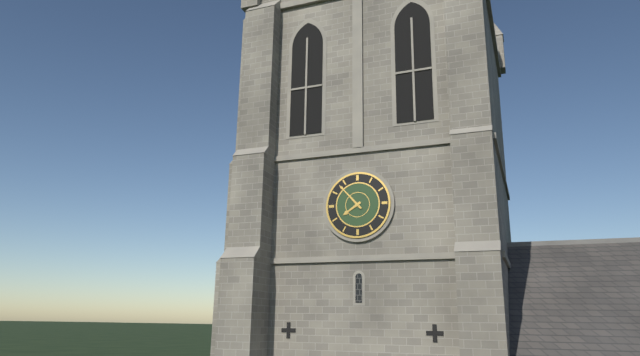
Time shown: **7:53**
